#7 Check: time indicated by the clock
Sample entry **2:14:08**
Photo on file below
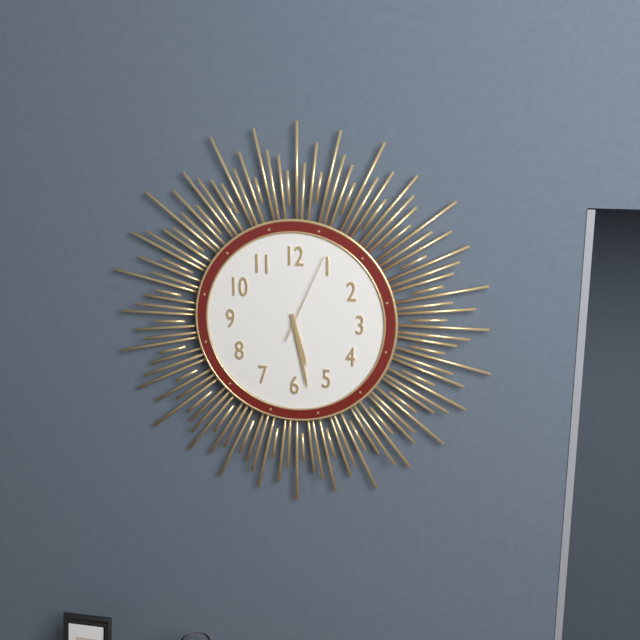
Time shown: **5:28:04**
